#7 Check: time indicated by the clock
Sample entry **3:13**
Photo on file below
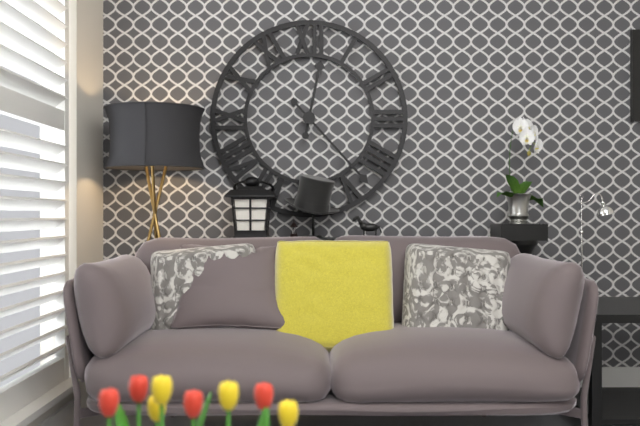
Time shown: **12:23**
